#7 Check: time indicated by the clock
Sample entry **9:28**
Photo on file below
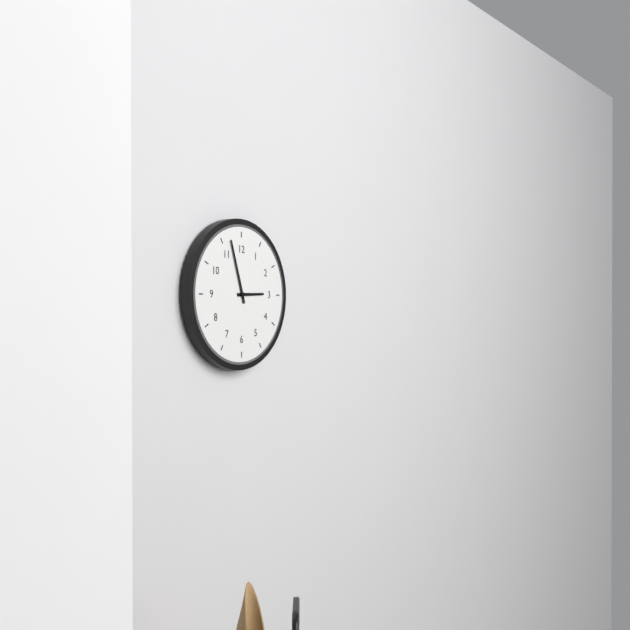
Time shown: **2:57**
